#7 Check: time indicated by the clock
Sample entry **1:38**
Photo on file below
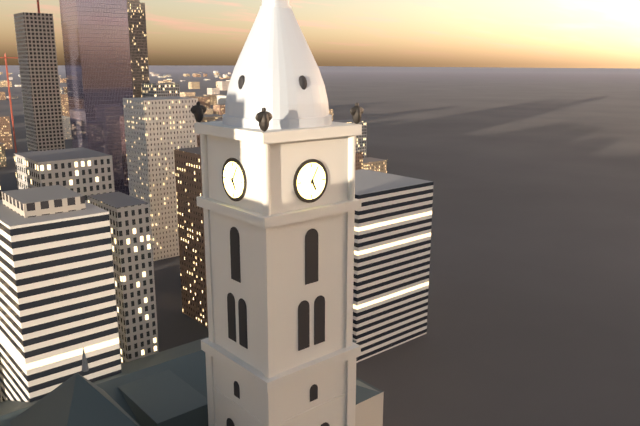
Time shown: **5:05**
